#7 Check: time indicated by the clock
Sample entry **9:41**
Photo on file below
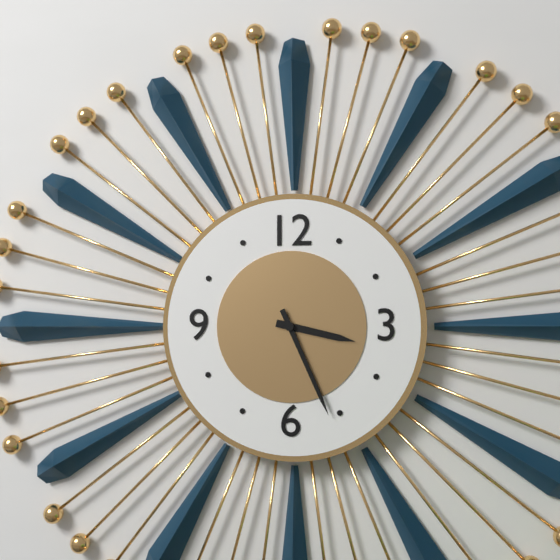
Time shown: **3:26**
